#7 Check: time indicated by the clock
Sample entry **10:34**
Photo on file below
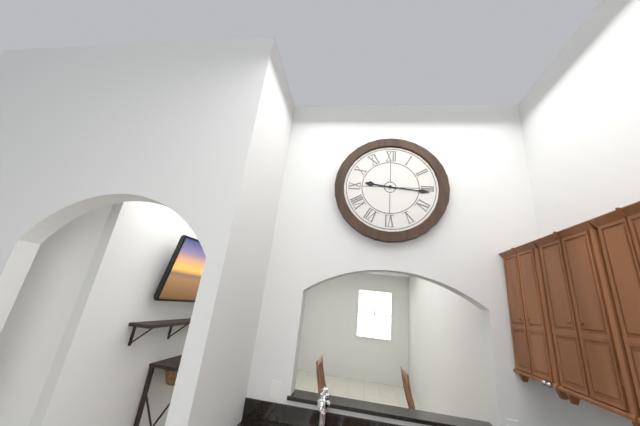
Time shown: **9:16**
